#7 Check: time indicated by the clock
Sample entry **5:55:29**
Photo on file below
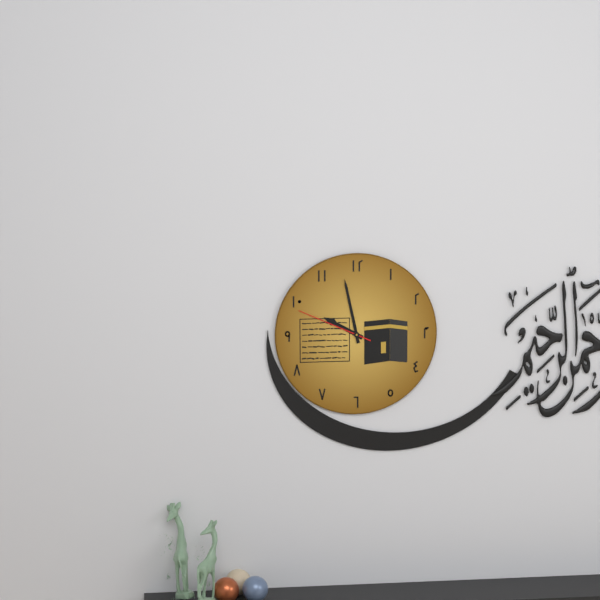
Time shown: **9:58:49**
